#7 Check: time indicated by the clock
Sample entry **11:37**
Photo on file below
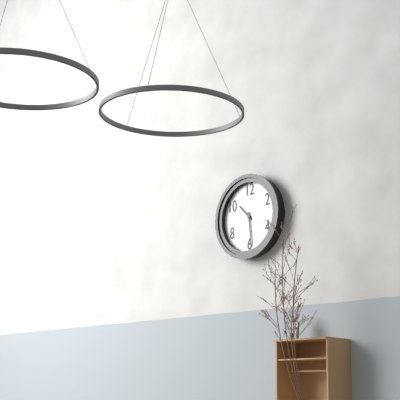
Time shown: **10:29**
